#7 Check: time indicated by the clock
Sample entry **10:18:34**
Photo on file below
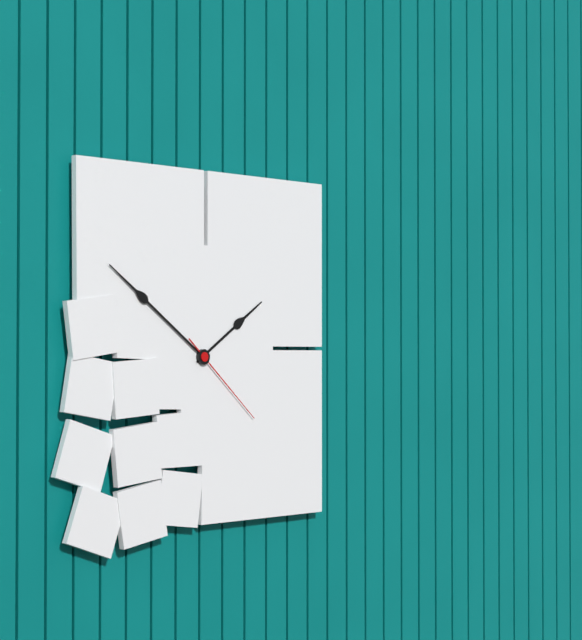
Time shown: **1:51:22**
